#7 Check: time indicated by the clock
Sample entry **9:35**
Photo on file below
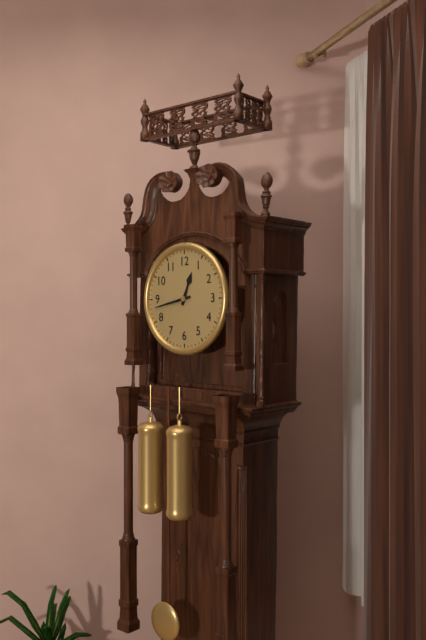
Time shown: **12:43**
